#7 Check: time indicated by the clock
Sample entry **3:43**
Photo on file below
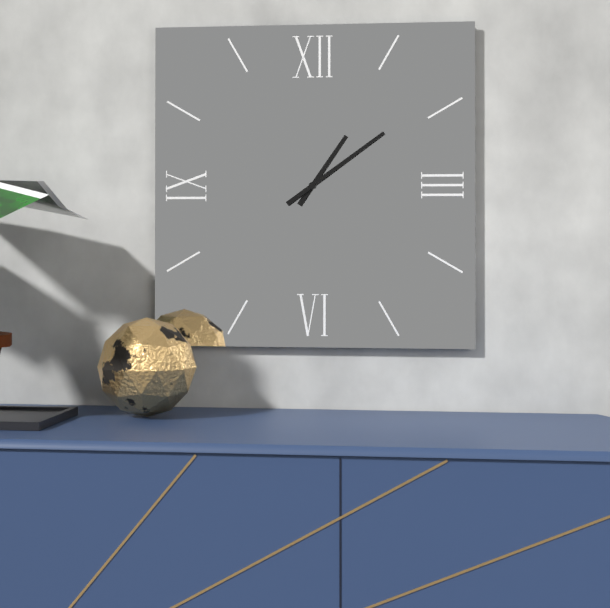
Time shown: **1:09**
